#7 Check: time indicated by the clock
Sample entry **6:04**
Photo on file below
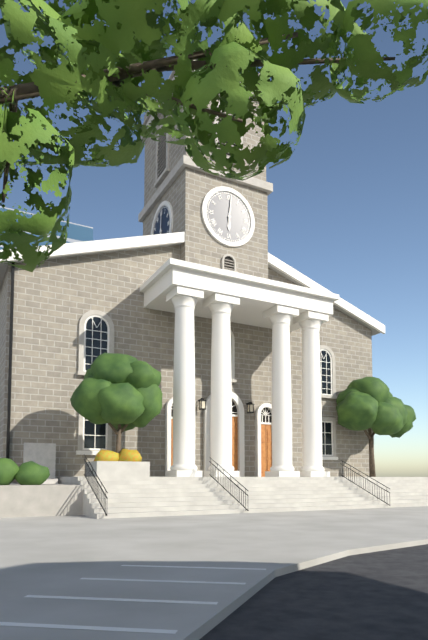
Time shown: **6:01**
